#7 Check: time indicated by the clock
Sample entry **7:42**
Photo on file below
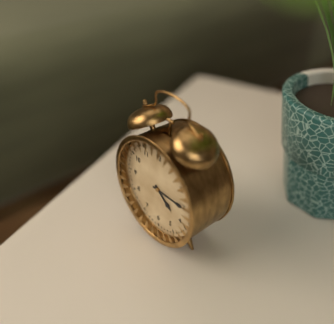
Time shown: **4:15**
